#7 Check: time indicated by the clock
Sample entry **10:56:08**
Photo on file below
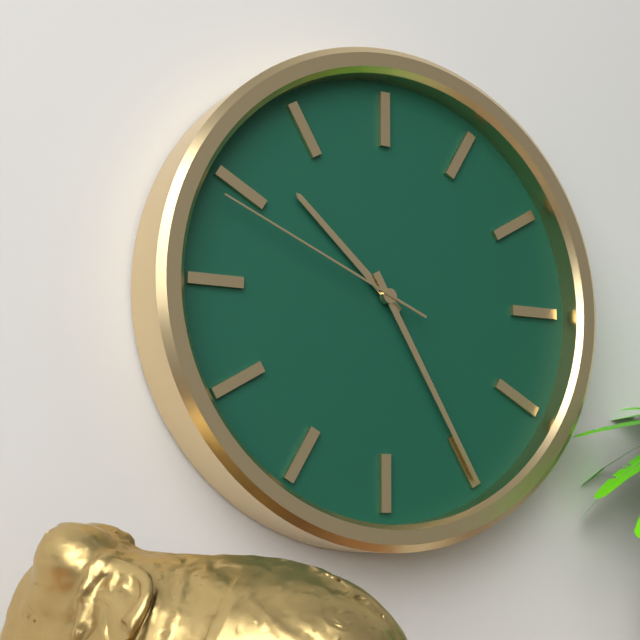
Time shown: **10:25:49**
